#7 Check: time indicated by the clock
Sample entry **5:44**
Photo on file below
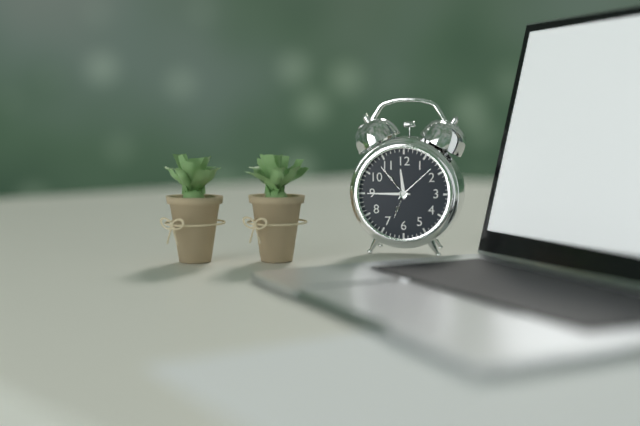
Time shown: **11:45**
